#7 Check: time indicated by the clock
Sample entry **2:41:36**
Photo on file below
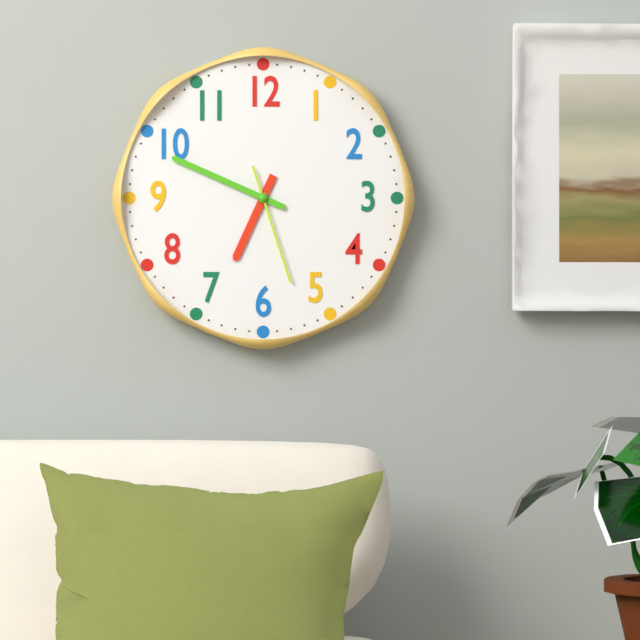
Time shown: **6:49:27**
